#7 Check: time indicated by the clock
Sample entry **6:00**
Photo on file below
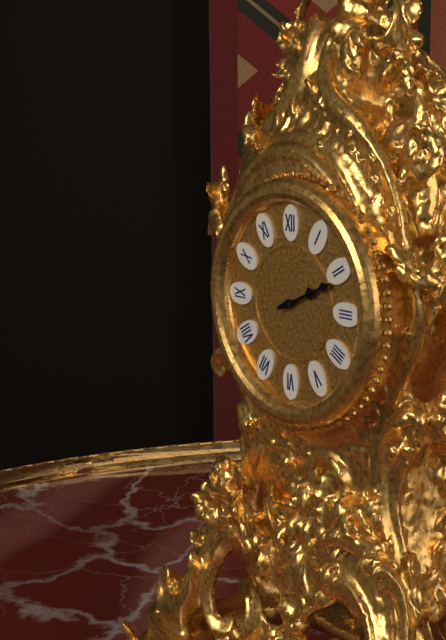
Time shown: **2:11**
